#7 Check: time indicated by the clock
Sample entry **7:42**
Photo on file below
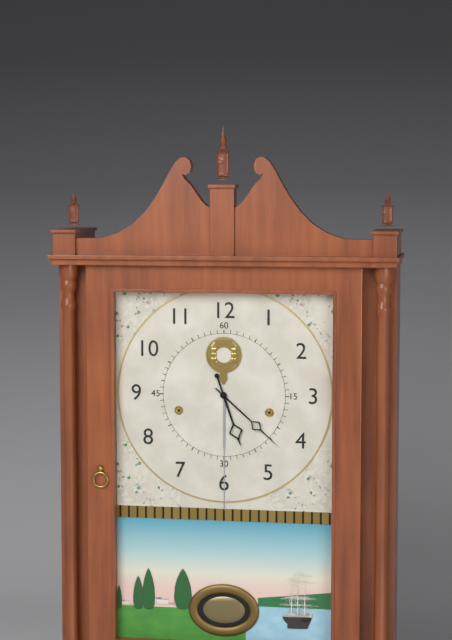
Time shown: **5:22**
